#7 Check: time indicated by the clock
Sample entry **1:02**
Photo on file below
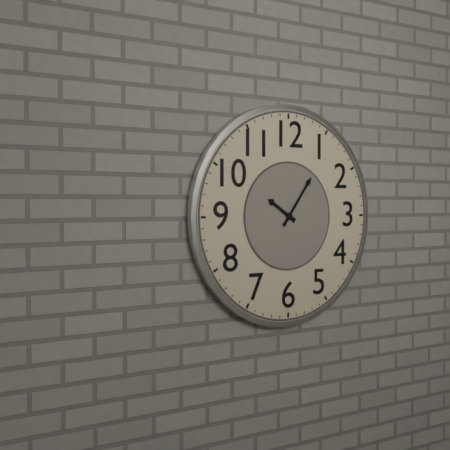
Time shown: **10:06**
